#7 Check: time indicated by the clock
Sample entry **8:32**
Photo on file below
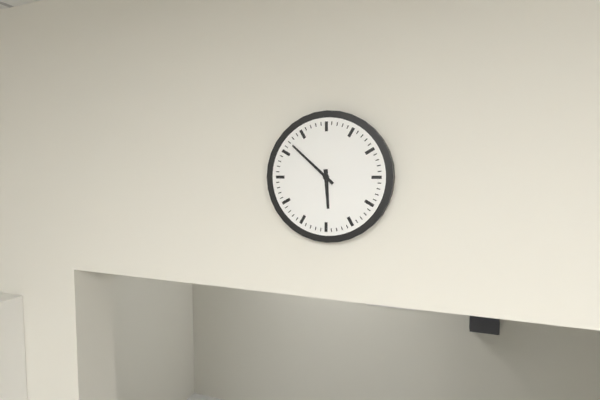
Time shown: **5:52**
